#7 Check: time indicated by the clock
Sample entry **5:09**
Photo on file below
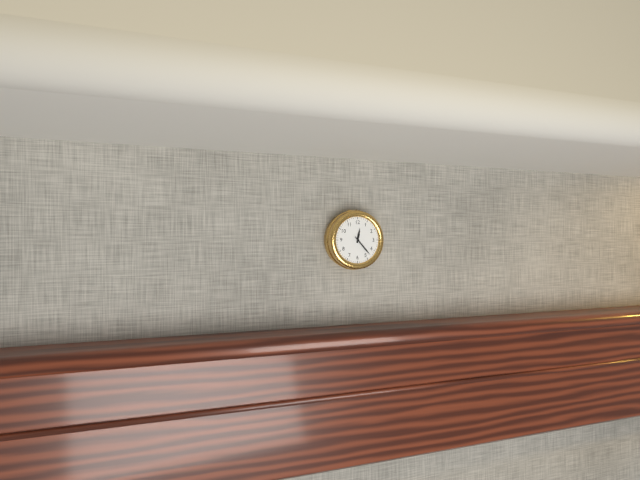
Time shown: **12:23**
